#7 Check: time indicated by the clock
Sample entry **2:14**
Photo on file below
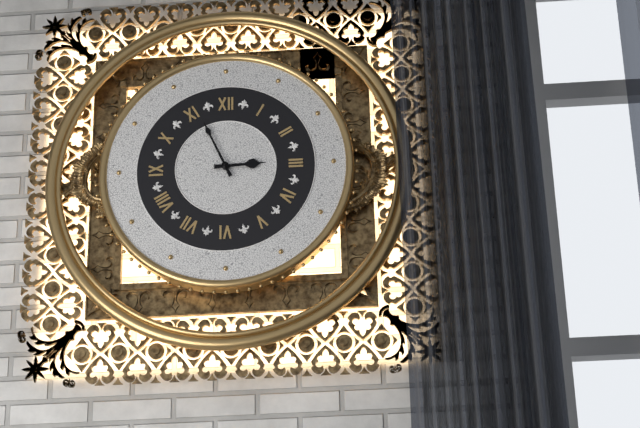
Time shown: **2:56**
